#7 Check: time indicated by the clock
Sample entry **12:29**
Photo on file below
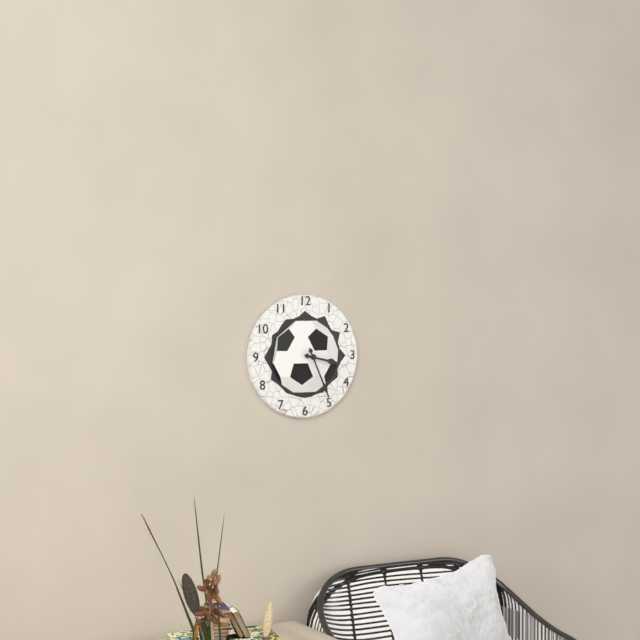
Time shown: **3:26**
